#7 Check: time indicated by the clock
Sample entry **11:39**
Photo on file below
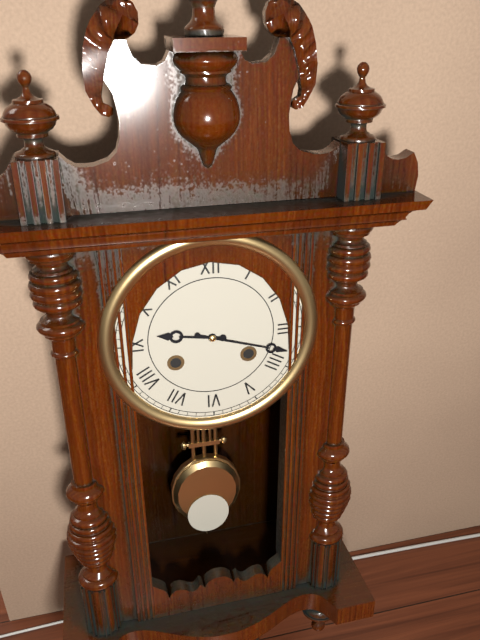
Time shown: **9:18**
